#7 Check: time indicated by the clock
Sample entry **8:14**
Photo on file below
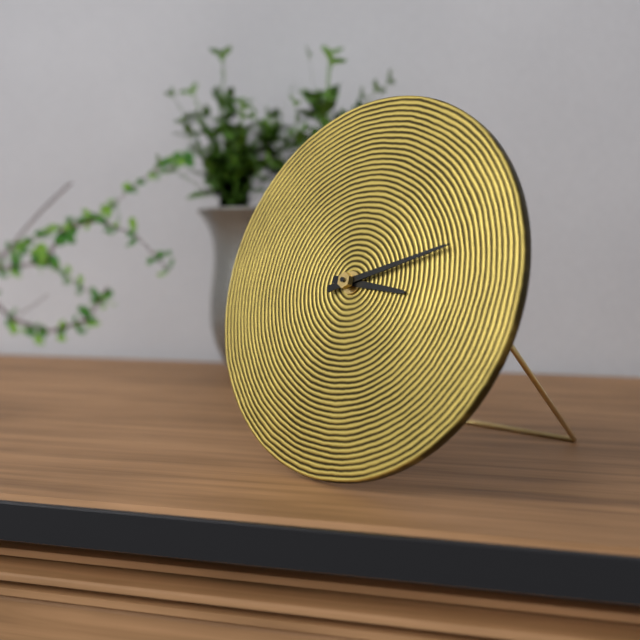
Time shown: **3:12**
